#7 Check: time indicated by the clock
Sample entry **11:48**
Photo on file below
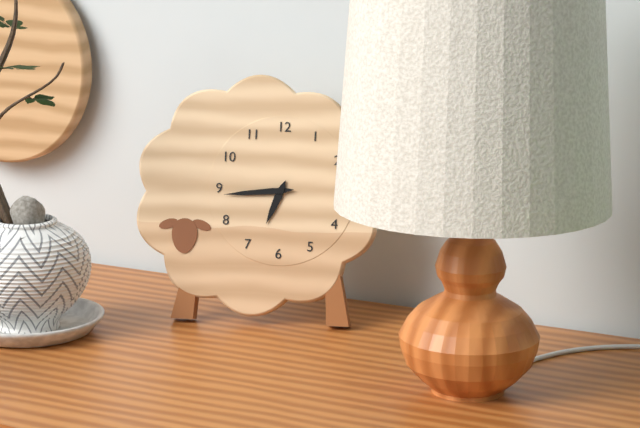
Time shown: **6:44**
